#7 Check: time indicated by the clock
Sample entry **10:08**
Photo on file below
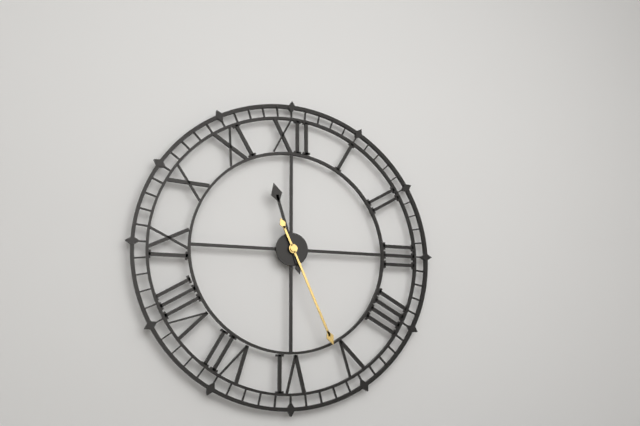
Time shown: **11:26**
